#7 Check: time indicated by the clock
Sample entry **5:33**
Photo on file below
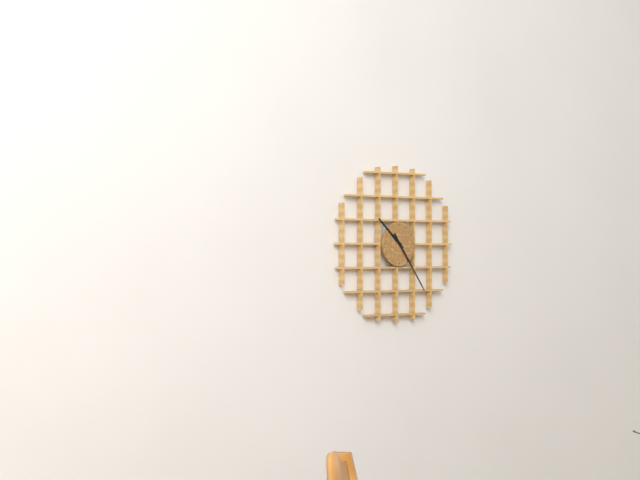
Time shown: **10:24**
